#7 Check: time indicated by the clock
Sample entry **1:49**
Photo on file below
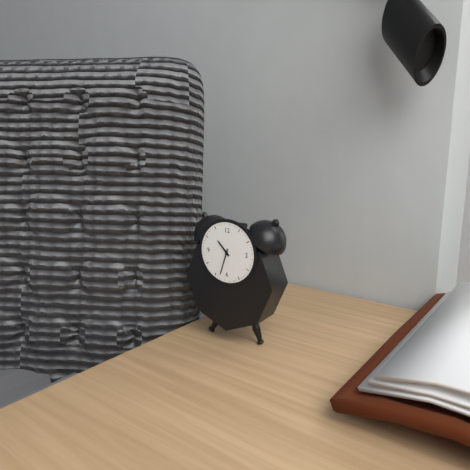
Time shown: **10:33**
